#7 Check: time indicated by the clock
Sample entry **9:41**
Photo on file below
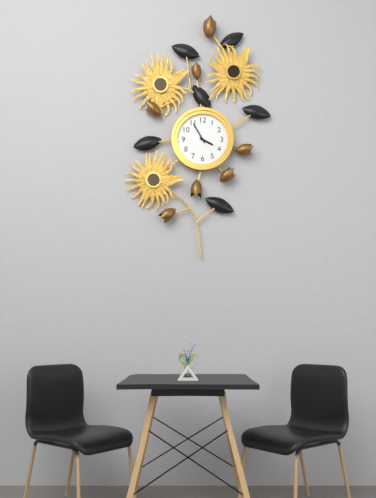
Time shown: **3:55**
